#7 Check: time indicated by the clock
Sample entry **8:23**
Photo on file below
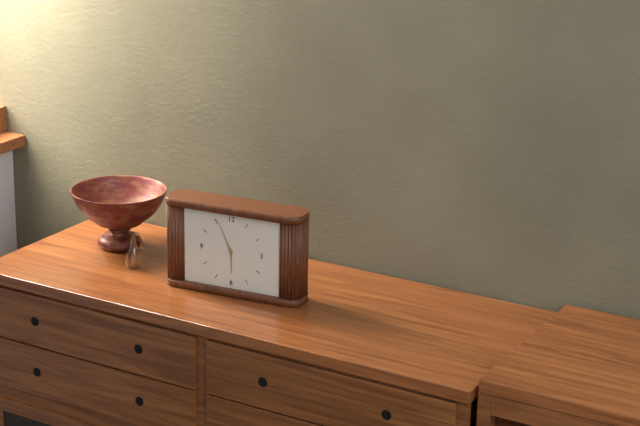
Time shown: **5:56**
